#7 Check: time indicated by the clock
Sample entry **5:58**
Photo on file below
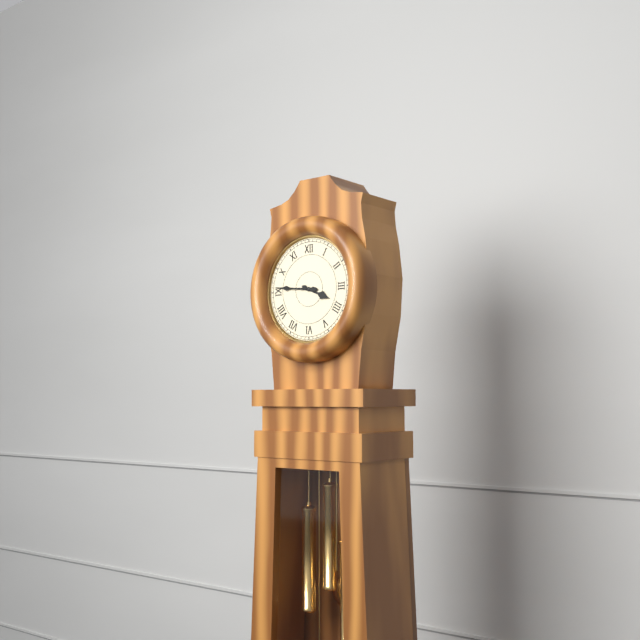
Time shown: **3:46**
